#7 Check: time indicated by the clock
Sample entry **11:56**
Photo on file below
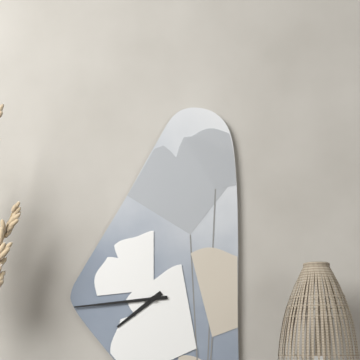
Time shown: **7:44**
